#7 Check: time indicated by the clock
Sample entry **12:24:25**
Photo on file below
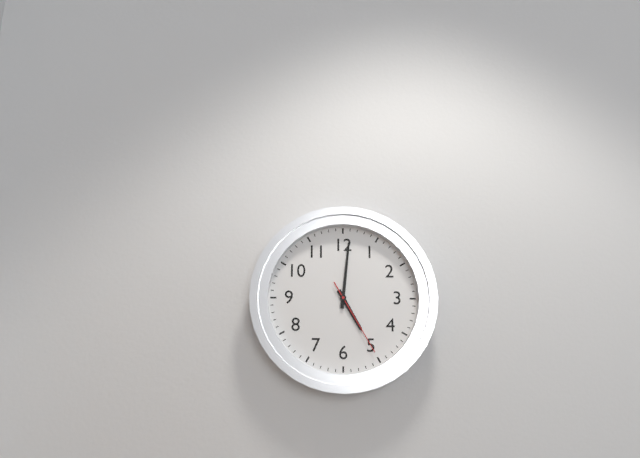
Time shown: **5:01:25**
